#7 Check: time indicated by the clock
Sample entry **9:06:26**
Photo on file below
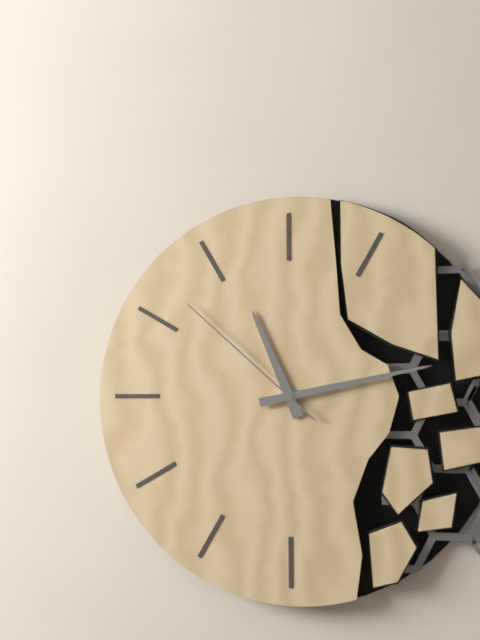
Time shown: **11:13:52**
